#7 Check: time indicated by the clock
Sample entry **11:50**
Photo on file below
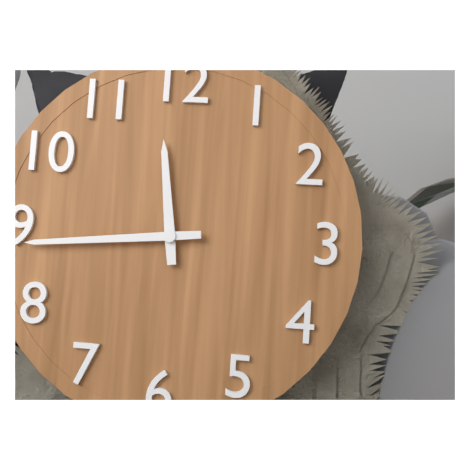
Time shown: **11:44**
